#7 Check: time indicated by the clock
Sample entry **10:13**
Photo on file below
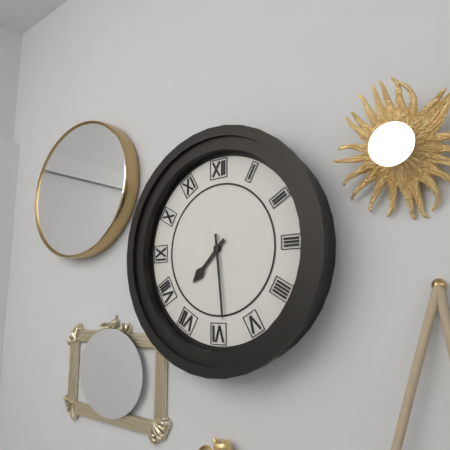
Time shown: **7:29**
